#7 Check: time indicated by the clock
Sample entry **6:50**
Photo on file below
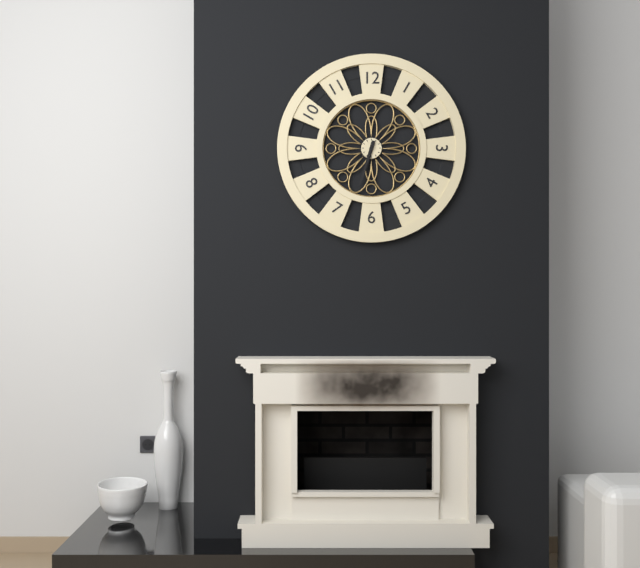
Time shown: **6:33**
